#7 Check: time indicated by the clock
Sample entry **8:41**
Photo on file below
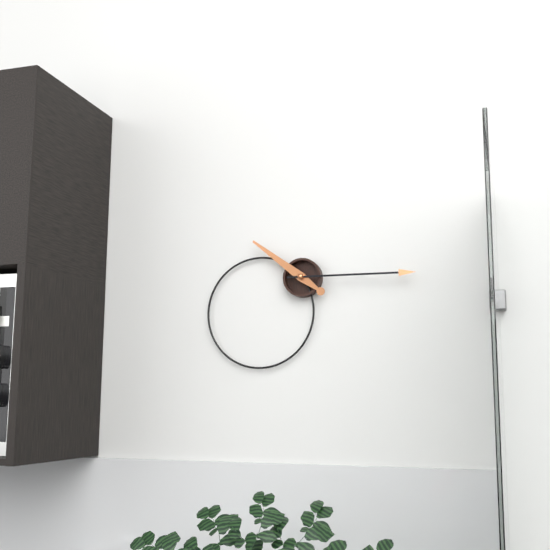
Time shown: **10:15**
